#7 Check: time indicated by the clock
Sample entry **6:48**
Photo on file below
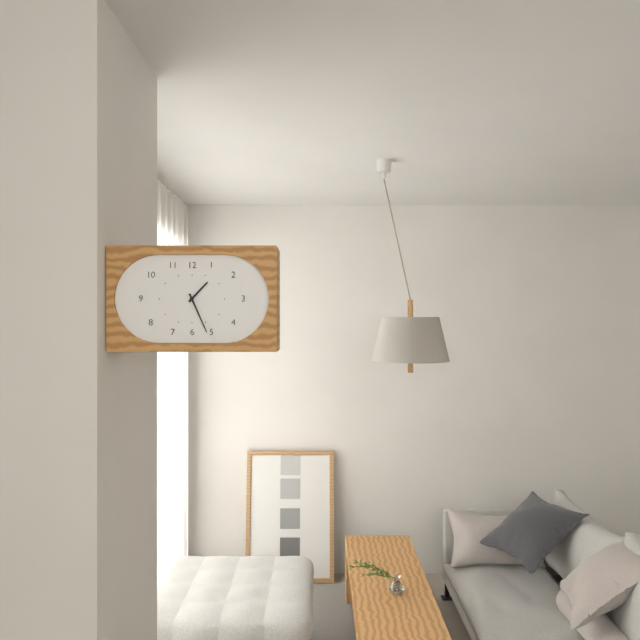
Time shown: **1:26**
